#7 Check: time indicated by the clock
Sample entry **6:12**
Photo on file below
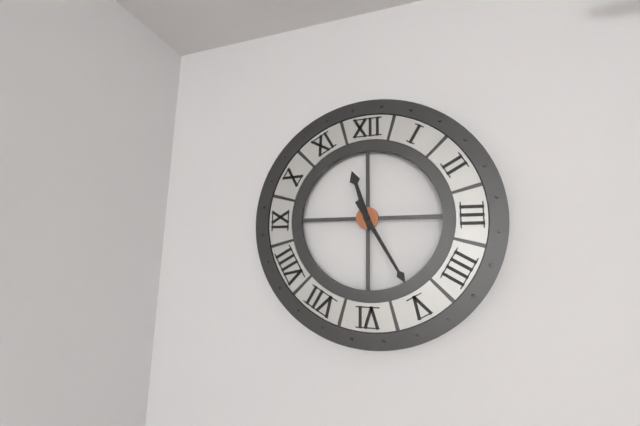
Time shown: **11:25**
